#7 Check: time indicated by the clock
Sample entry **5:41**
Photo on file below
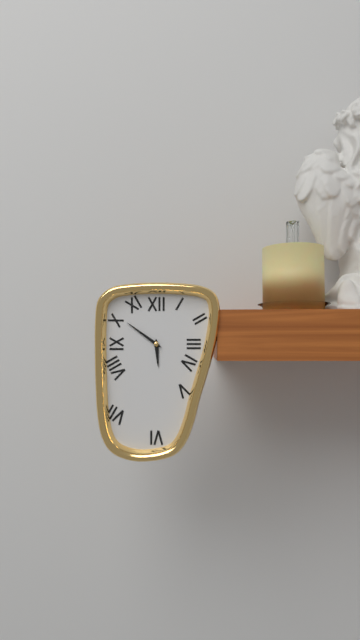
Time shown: **5:51**
